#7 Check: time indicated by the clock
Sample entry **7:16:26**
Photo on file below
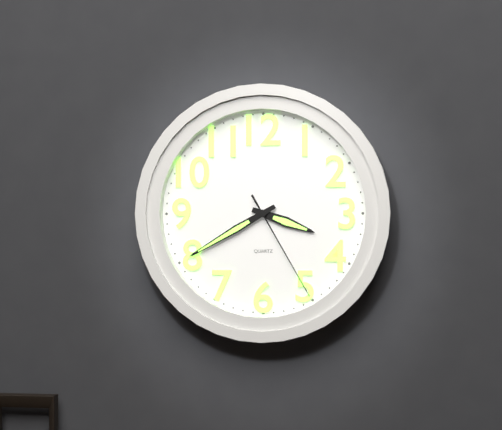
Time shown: **3:40:25**
